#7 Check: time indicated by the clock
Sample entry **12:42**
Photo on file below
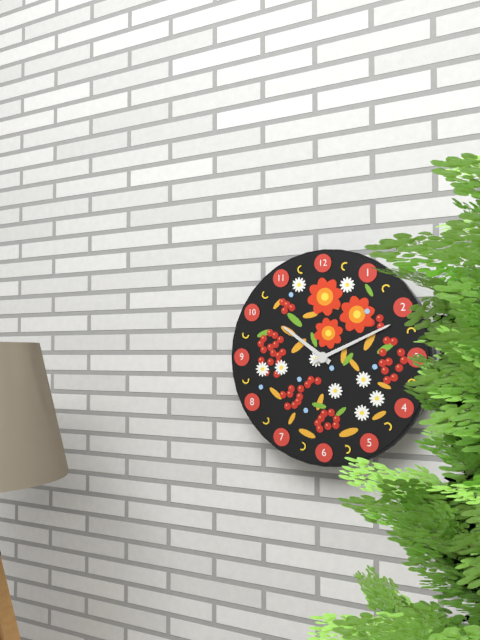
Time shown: **10:11**
